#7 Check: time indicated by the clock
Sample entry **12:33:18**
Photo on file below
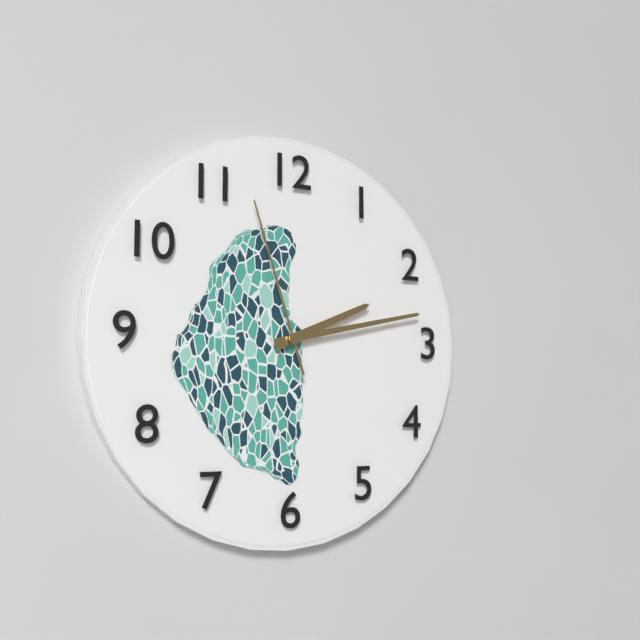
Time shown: **2:13:57**
